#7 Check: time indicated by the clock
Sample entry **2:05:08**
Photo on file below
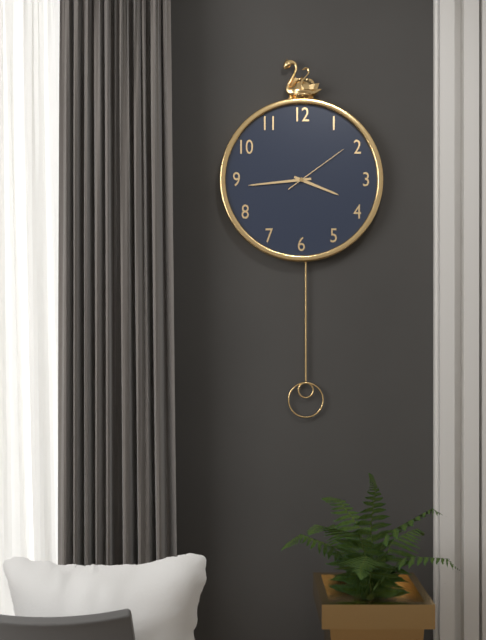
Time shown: **3:44:09**
